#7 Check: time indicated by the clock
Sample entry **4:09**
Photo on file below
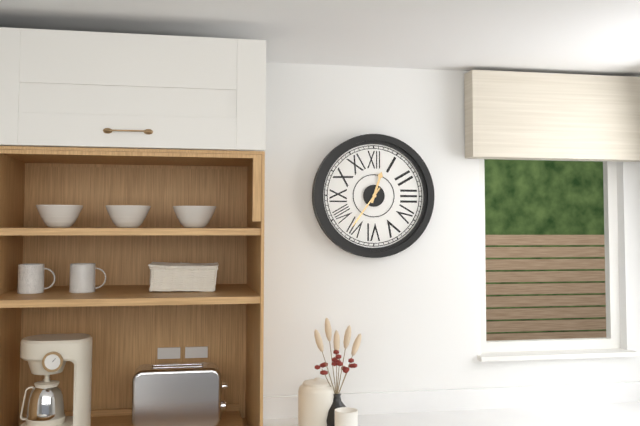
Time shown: **12:36**
